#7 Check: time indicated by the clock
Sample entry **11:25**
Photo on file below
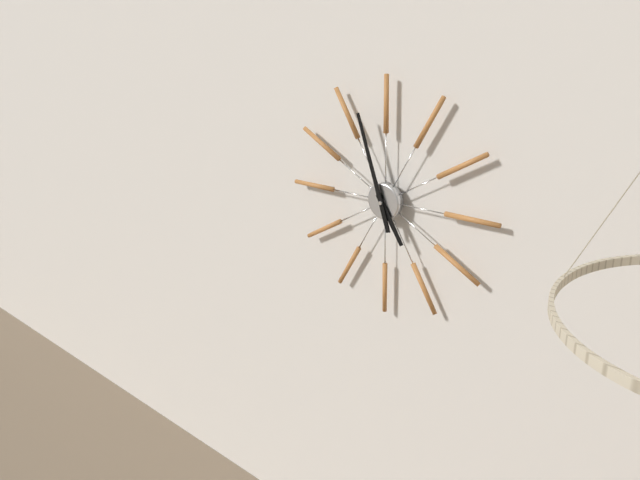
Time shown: **4:57**
